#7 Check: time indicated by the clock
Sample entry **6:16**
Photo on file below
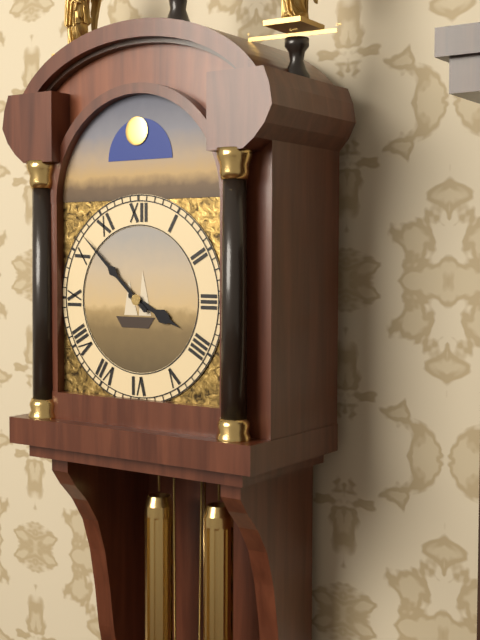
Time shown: **3:52**
